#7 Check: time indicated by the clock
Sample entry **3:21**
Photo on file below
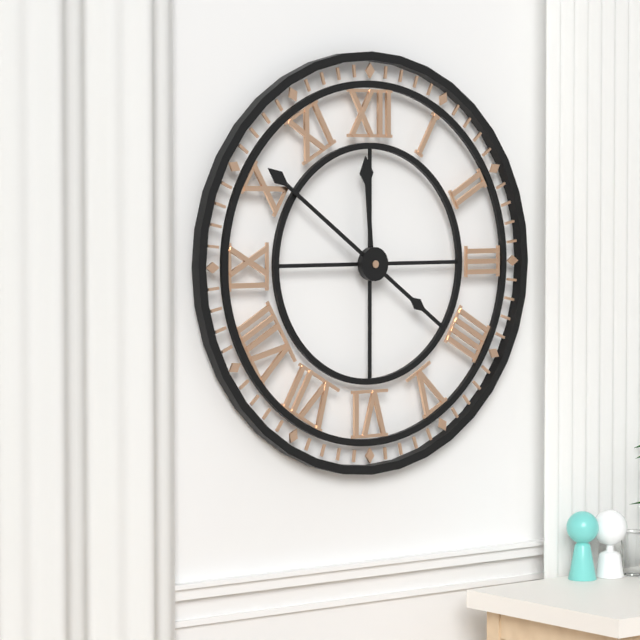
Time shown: **11:51**
